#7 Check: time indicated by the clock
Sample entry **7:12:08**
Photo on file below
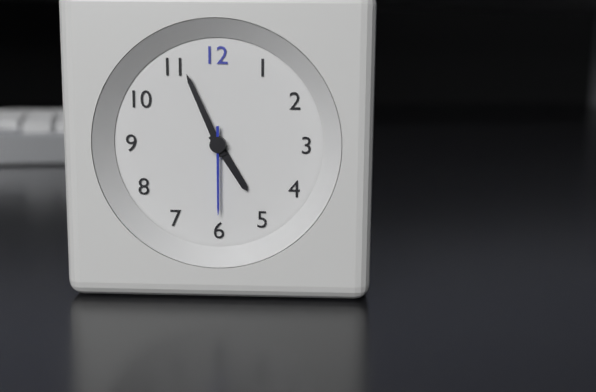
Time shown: **4:56:30**
